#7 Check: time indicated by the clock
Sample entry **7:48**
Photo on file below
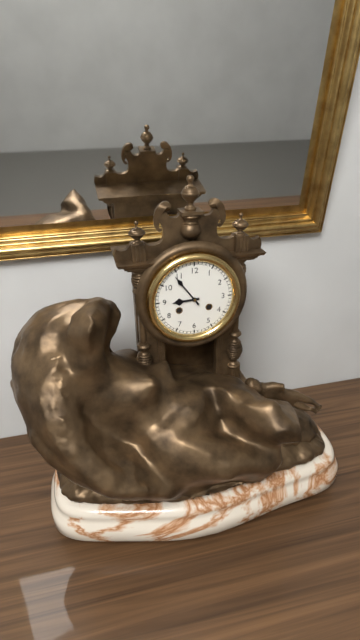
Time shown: **8:54**
